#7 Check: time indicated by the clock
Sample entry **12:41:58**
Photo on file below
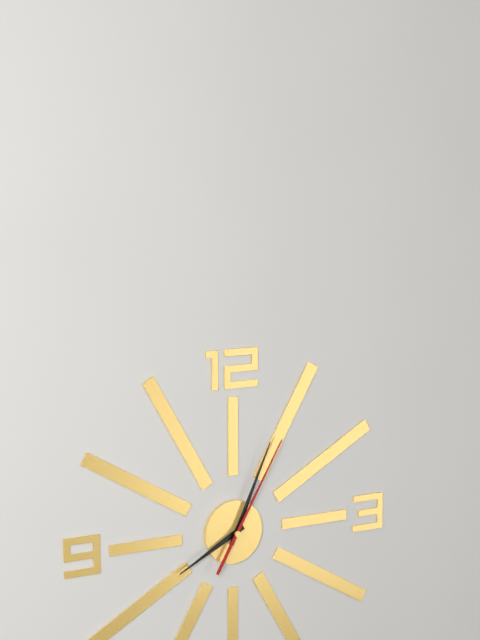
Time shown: **8:04:05**
